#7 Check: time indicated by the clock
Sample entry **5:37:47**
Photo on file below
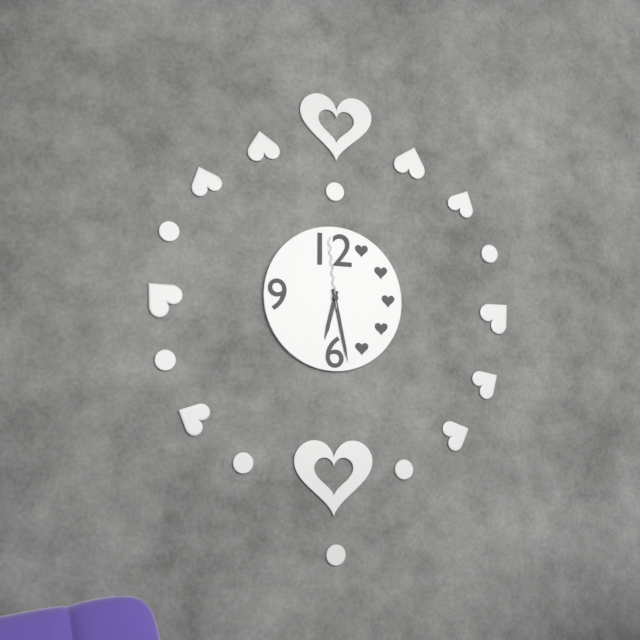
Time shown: **6:28:59**
